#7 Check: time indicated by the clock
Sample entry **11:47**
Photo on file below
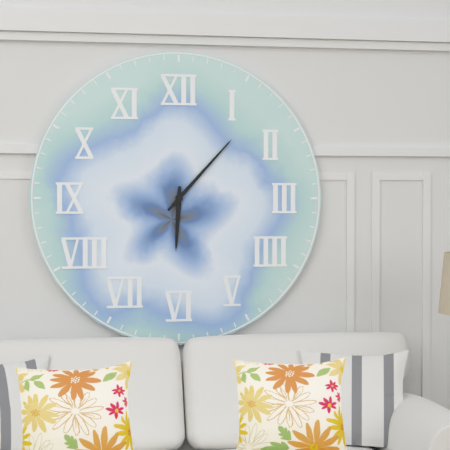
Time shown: **6:07**
